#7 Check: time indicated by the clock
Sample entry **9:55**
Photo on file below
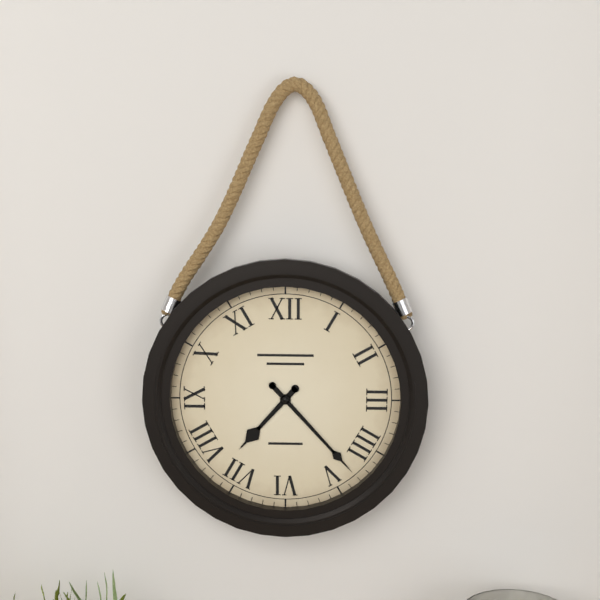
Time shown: **7:23**
